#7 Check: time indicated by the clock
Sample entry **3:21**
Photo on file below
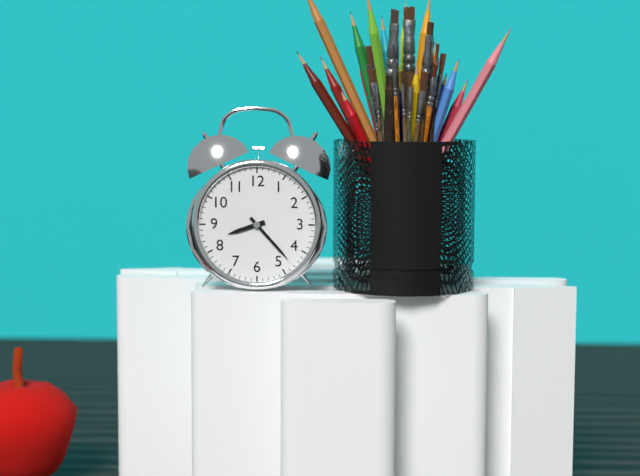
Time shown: **8:23**
